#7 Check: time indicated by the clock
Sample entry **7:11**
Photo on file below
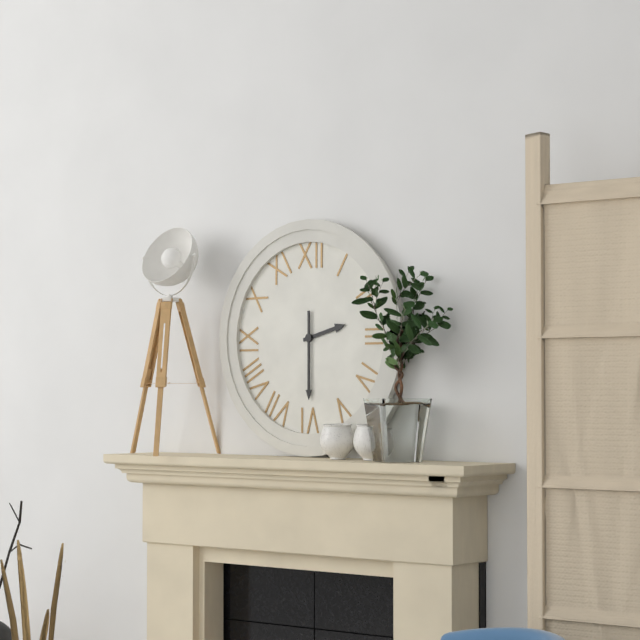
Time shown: **2:30**
